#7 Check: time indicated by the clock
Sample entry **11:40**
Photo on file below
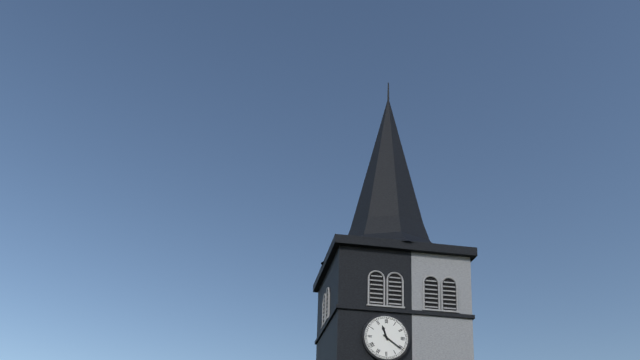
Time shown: **11:21**
